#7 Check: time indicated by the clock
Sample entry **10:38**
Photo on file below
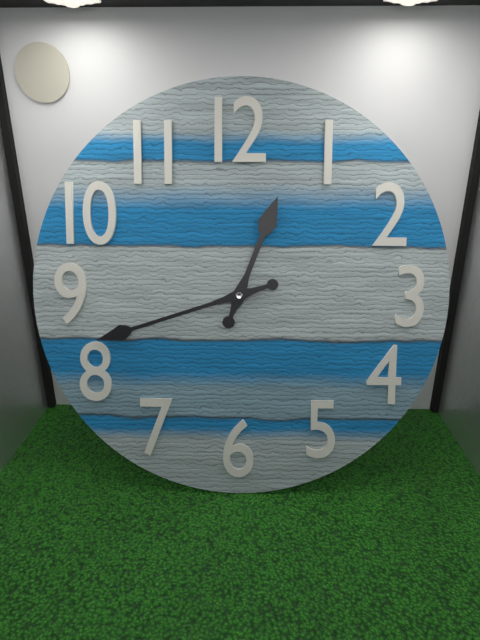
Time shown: **12:42**
